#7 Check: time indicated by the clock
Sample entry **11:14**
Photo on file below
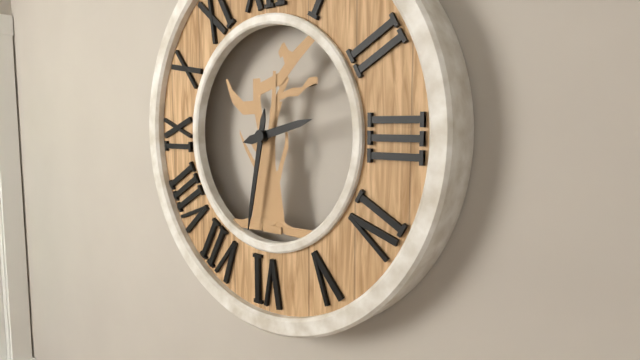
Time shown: **2:32**
